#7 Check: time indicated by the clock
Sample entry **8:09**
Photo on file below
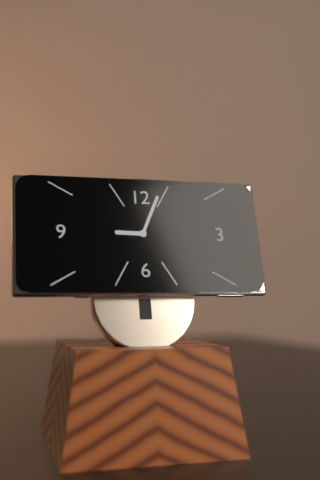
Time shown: **9:04**
